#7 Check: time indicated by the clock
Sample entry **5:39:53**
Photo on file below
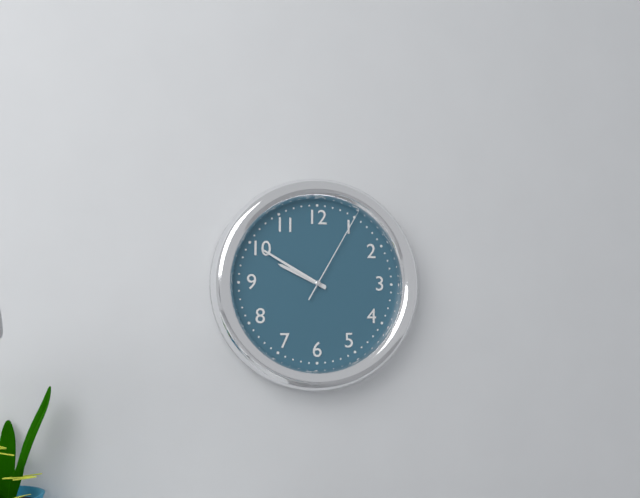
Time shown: **9:50:05**
